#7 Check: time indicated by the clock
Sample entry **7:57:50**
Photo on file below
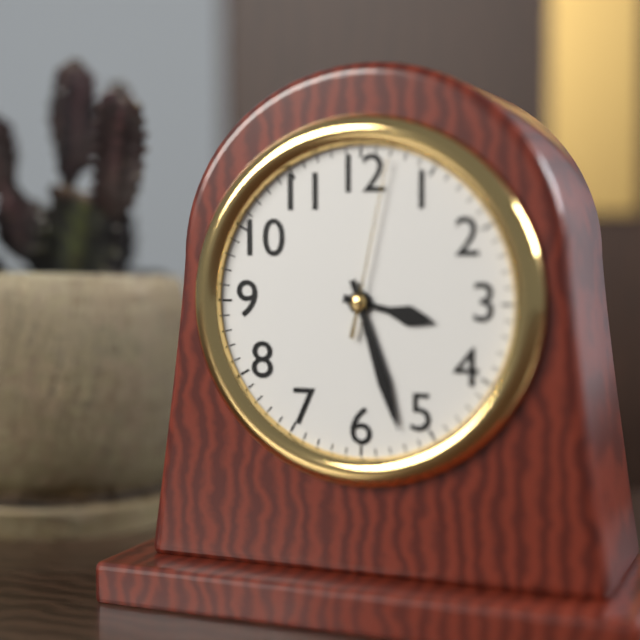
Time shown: **3:27:02**
